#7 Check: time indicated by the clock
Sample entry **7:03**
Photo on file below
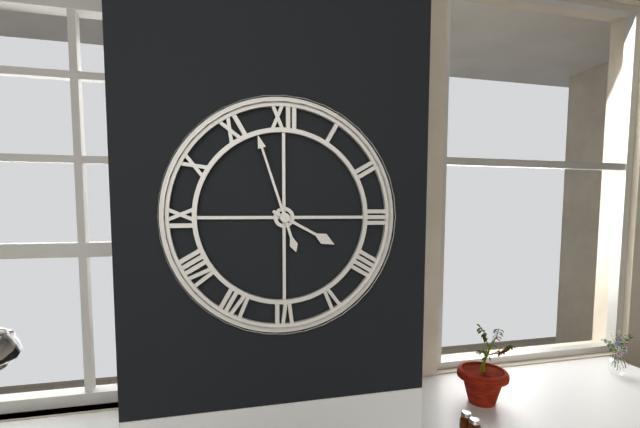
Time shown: **3:57**
